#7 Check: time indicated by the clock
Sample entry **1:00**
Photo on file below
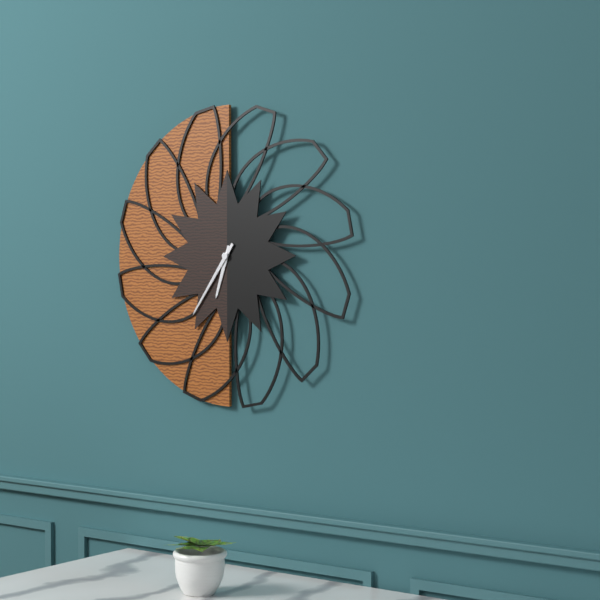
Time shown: **6:36**
